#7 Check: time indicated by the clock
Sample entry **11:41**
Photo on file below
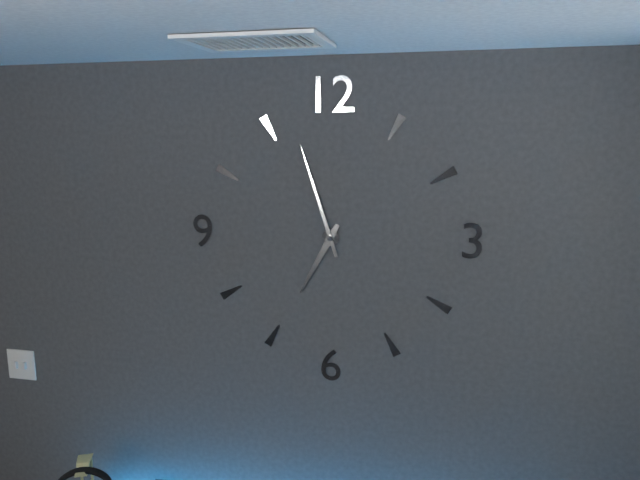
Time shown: **6:57**
